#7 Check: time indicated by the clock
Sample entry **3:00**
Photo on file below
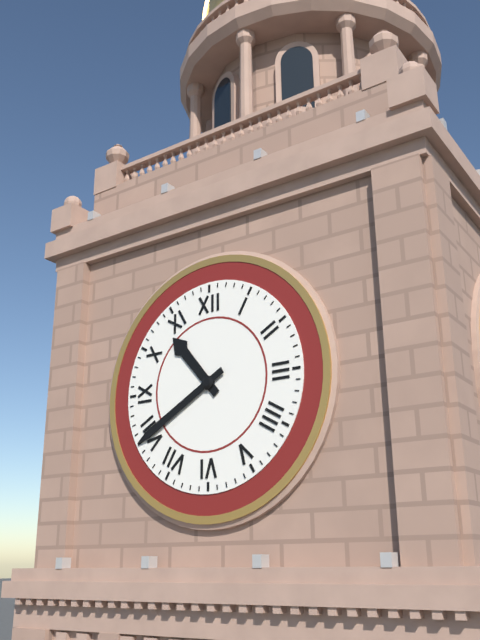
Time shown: **10:40**
